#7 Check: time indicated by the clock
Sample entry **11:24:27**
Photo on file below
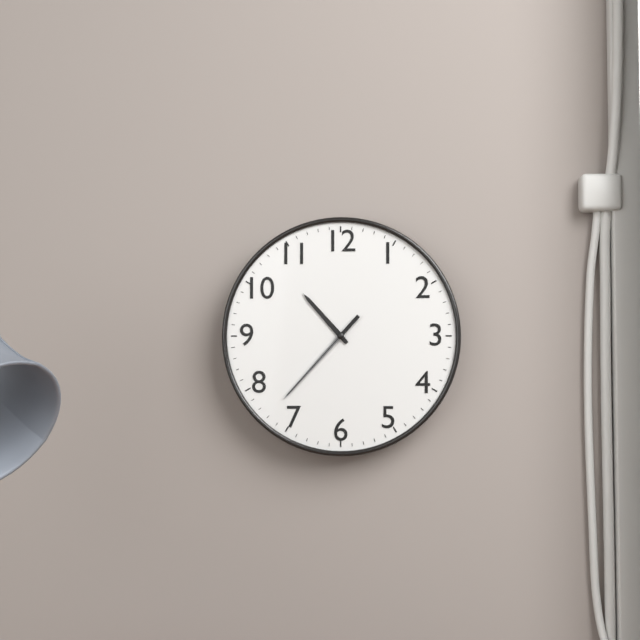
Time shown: **10:37:37**
